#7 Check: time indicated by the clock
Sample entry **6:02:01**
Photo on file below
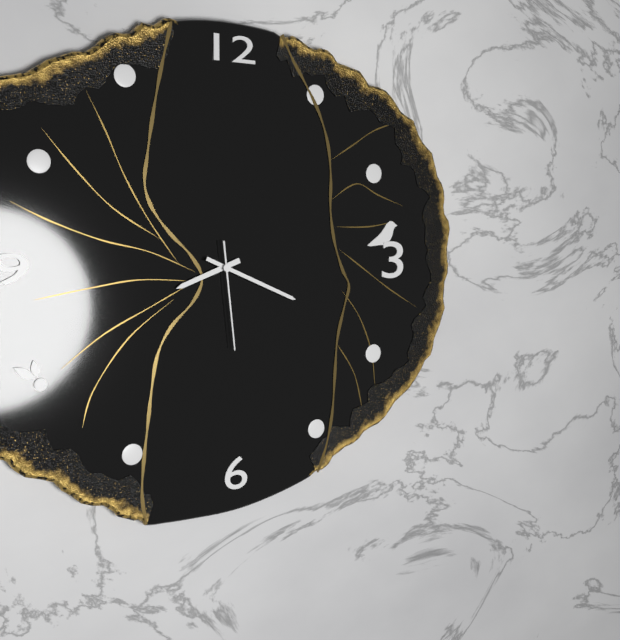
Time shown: **8:19:29**
